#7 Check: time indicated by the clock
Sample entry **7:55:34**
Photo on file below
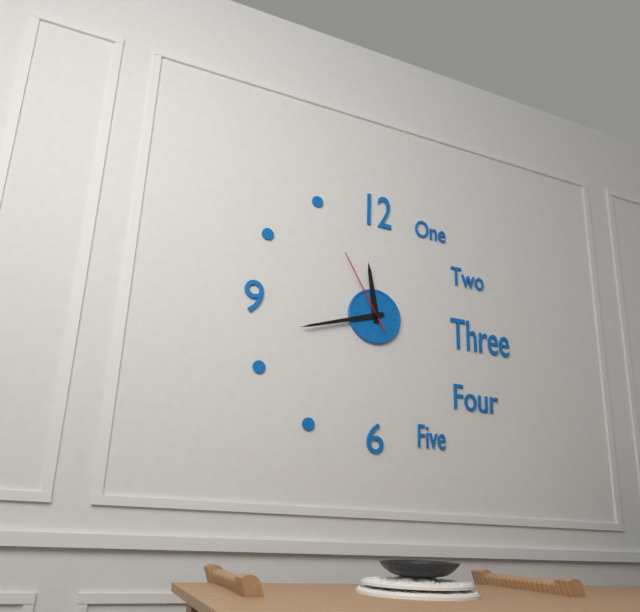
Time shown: **11:42:55**
